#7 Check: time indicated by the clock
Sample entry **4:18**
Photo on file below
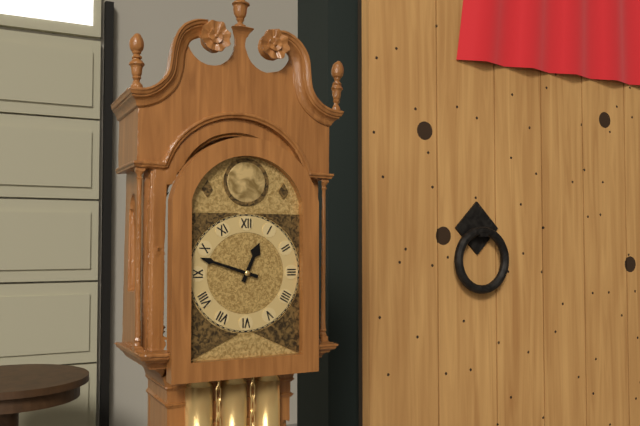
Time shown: **12:48**
